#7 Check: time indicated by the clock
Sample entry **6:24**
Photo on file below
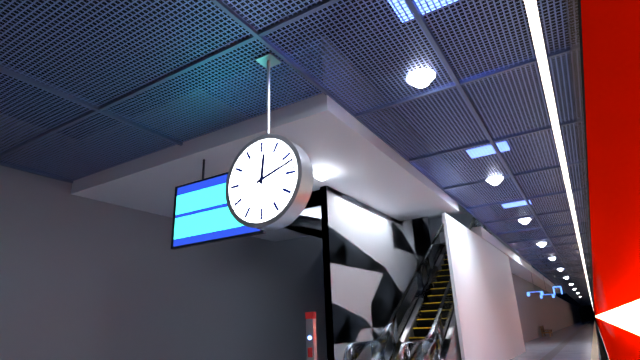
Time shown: **12:12**
